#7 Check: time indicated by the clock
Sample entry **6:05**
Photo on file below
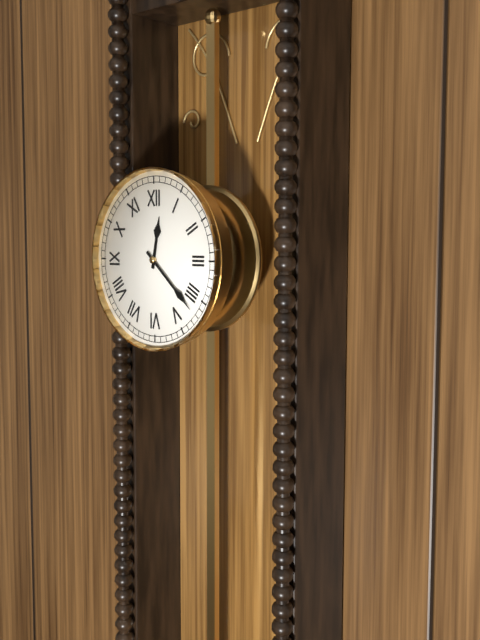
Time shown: **12:22**
